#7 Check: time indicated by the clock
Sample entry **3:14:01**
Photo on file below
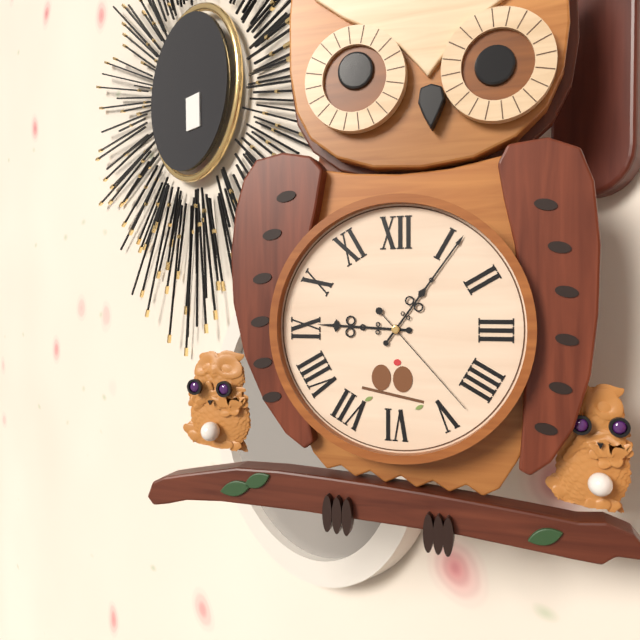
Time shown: **9:06:23**
